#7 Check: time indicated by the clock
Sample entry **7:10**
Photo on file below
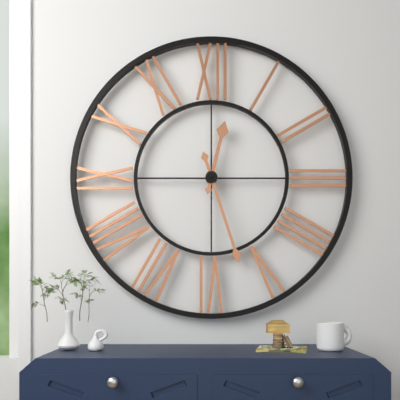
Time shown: **12:27**
